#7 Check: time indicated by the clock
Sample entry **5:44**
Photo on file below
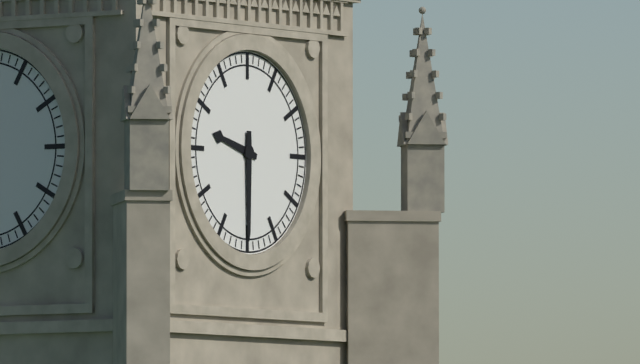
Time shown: **9:30**
